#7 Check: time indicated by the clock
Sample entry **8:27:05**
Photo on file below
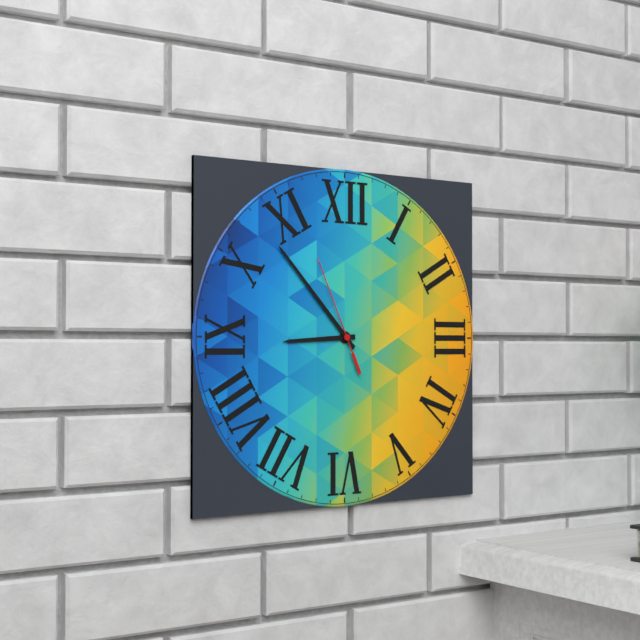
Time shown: **8:53:56**
